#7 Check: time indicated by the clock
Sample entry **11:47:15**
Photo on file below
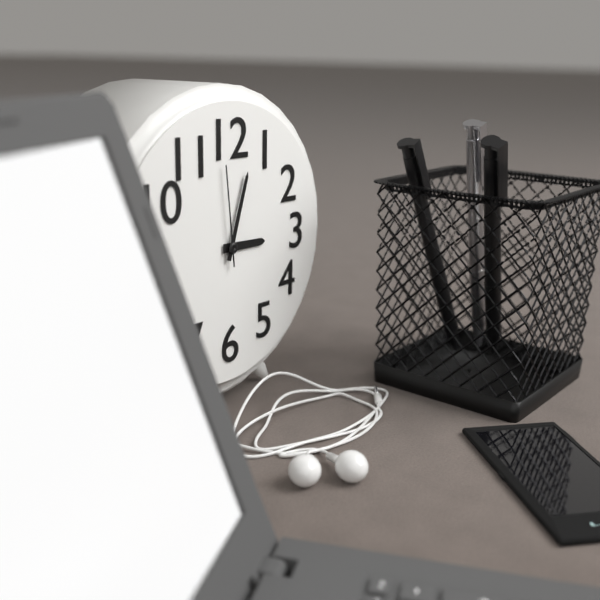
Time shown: **3:03:59**
